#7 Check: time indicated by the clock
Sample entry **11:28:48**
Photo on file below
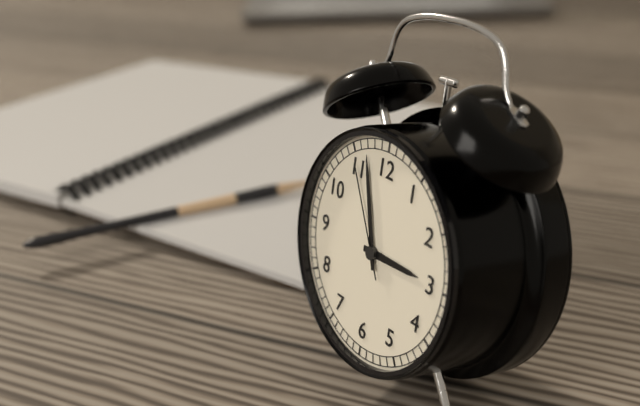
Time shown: **2:57:55**
